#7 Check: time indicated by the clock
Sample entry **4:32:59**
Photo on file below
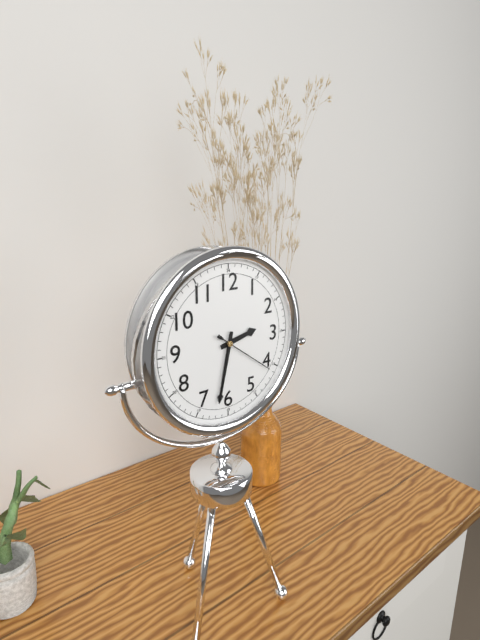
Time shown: **2:32:21**
